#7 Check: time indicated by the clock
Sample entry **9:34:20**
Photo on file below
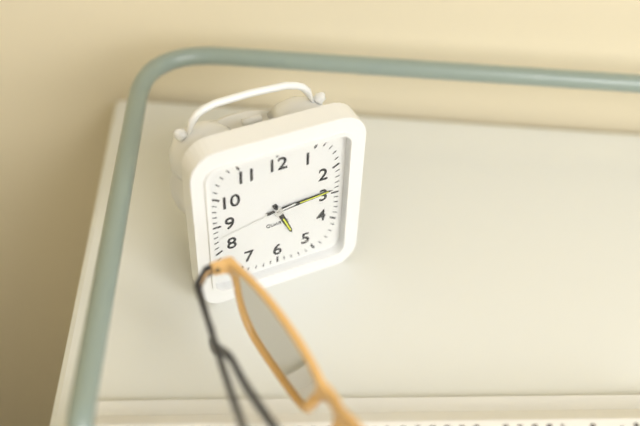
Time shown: **5:14:43**
